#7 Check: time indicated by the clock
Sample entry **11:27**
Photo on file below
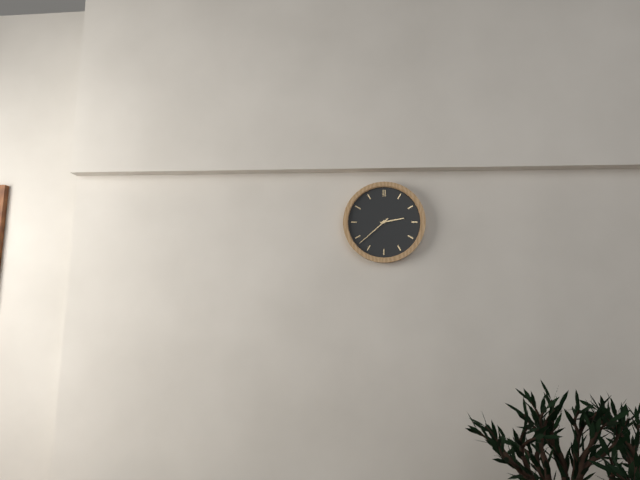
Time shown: **2:38**
